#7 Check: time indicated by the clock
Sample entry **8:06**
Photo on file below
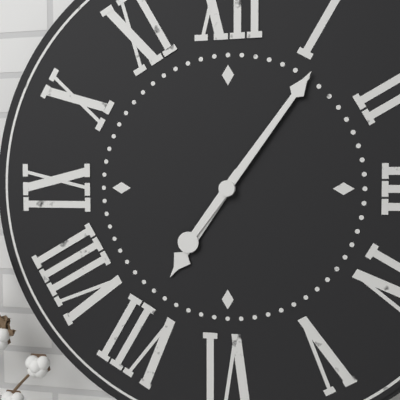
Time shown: **7:06**
